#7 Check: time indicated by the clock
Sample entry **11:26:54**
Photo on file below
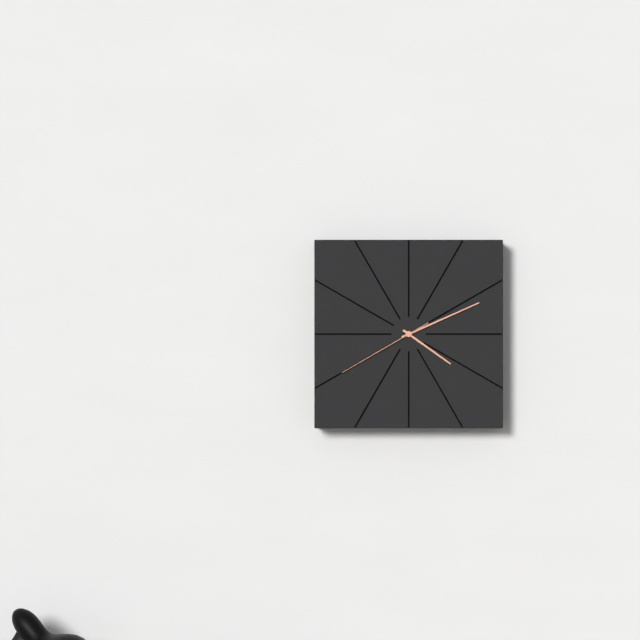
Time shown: **4:11:40**
